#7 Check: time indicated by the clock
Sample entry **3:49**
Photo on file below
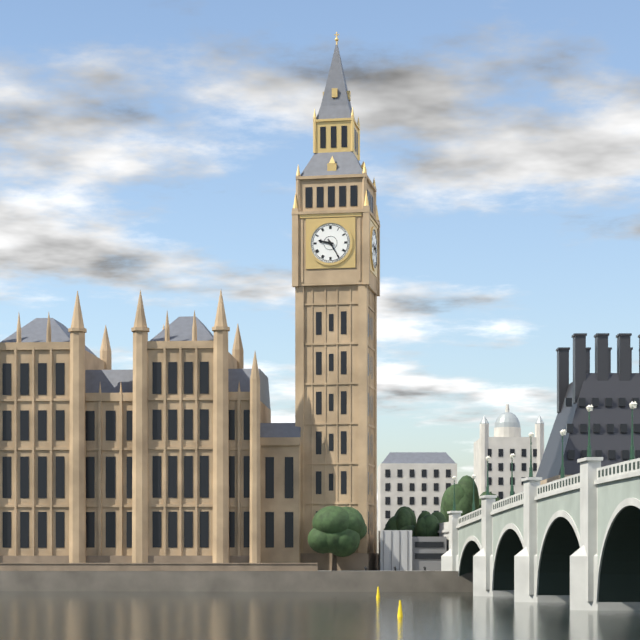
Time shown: **9:25**
